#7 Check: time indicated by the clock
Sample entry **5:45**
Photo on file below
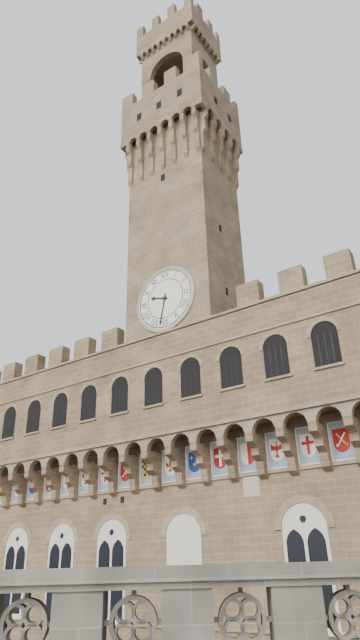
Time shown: **9:32**
